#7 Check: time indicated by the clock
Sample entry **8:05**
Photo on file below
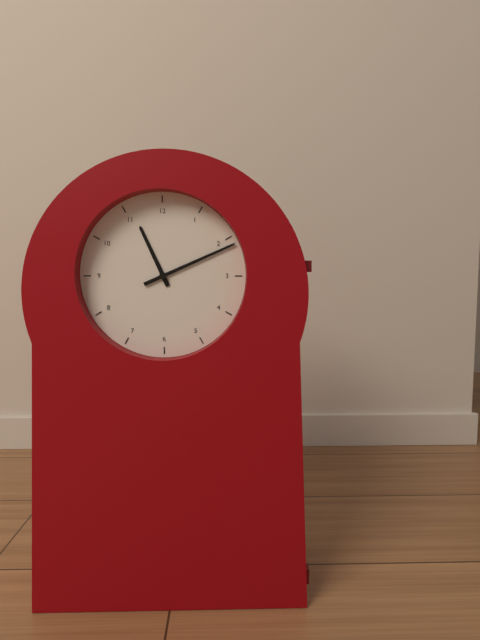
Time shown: **11:11**
